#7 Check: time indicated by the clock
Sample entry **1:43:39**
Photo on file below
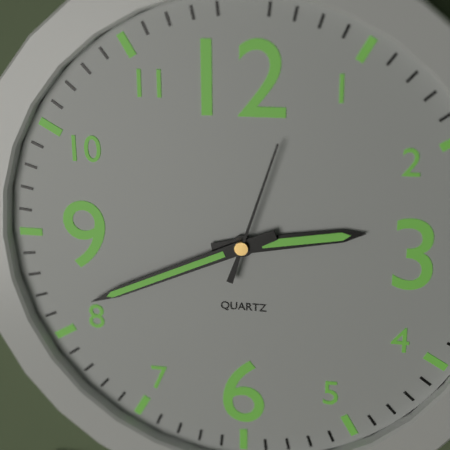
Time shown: **2:41:03**
